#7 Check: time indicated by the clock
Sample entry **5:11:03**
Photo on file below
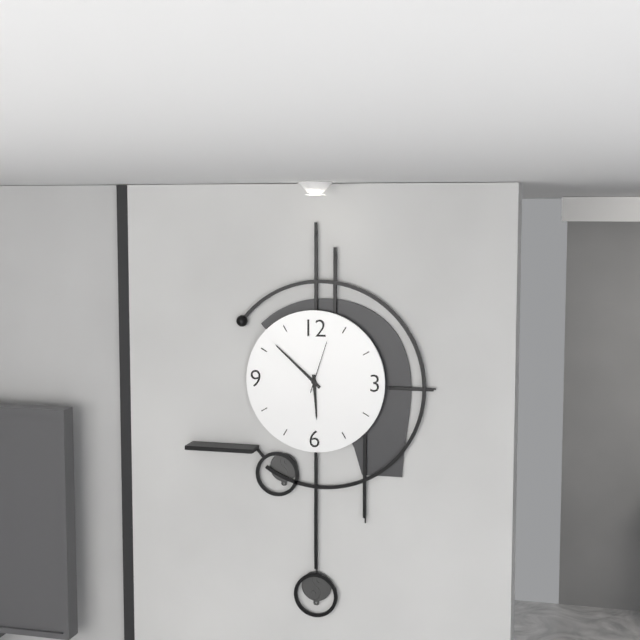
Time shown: **5:52:03**
